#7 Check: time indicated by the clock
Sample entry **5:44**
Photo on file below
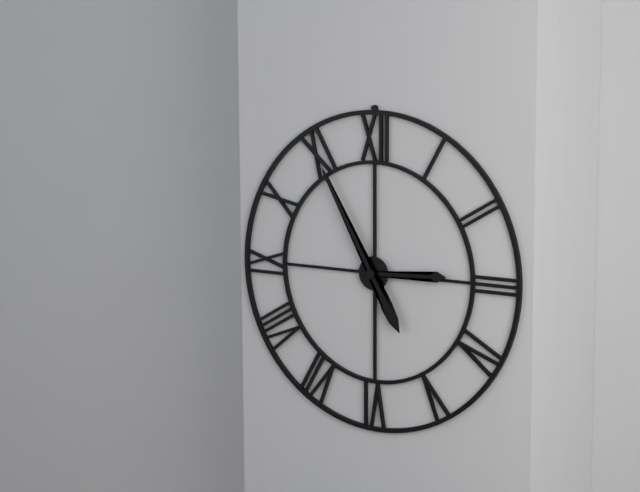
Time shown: **2:55**
